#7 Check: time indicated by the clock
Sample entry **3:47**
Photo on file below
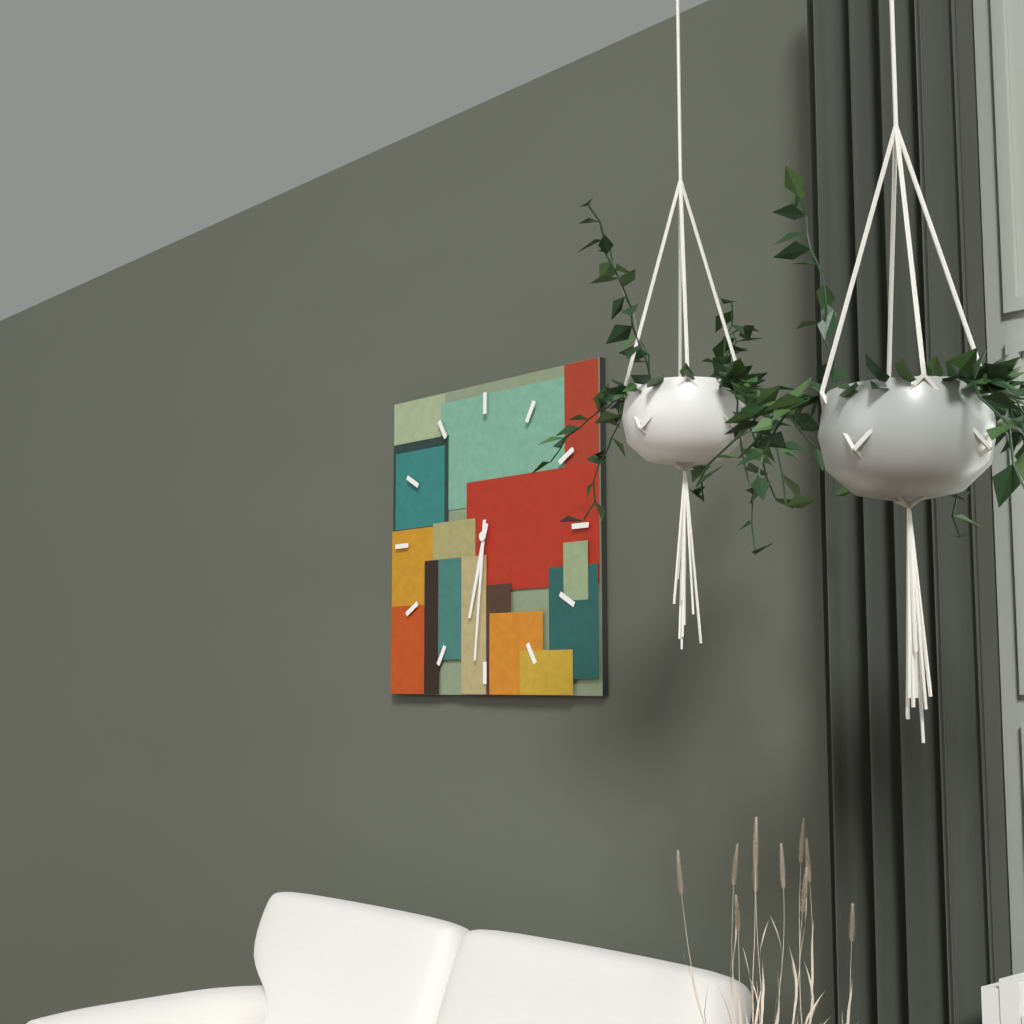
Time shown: **6:31**
